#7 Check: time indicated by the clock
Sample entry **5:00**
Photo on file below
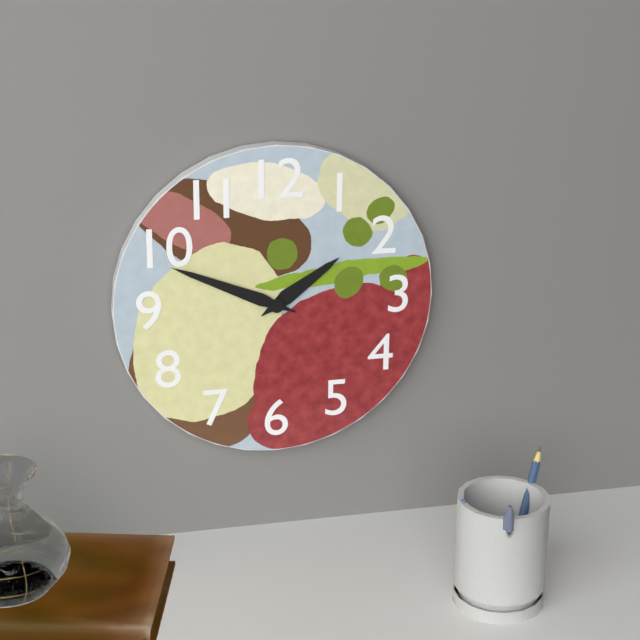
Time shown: **1:49**
